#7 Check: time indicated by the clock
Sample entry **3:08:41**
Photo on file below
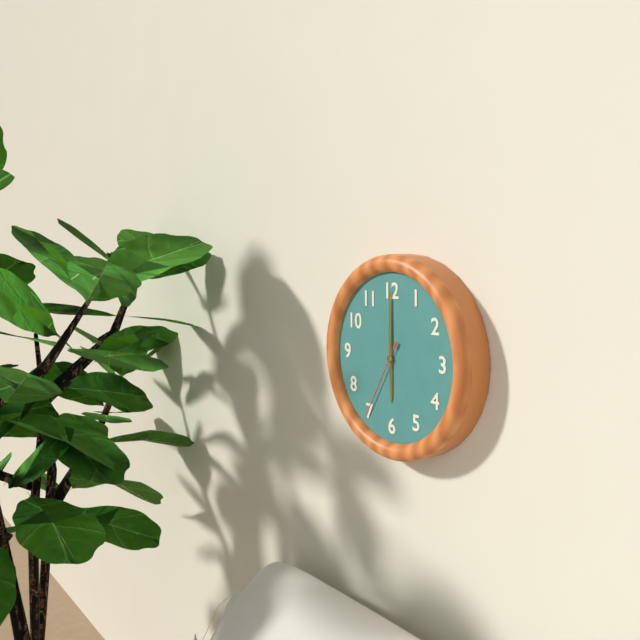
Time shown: **6:00:35**
